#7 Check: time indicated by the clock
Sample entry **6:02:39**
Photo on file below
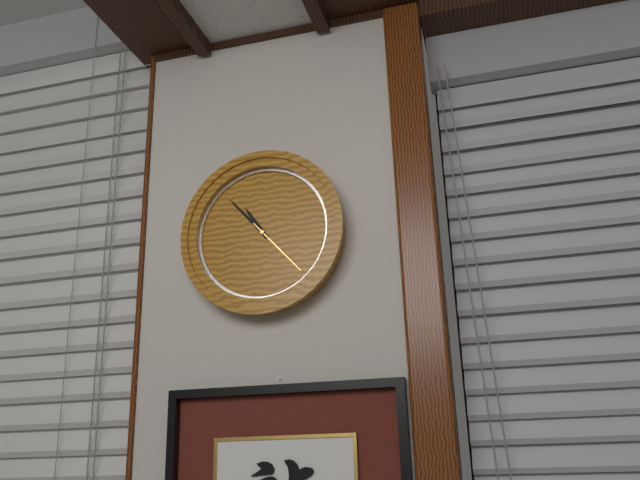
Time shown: **10:53:23**
